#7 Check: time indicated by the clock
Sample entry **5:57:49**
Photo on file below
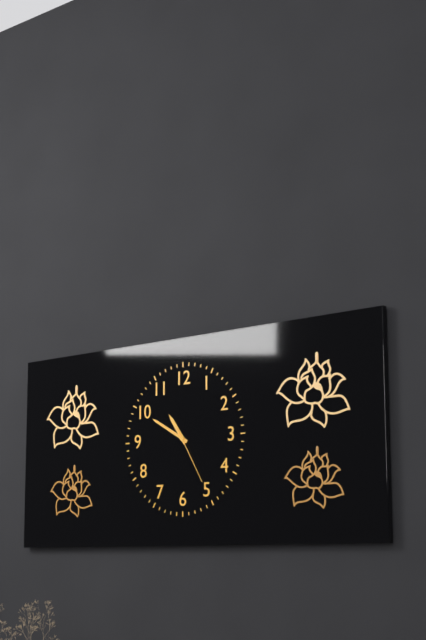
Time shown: **10:50:25**
